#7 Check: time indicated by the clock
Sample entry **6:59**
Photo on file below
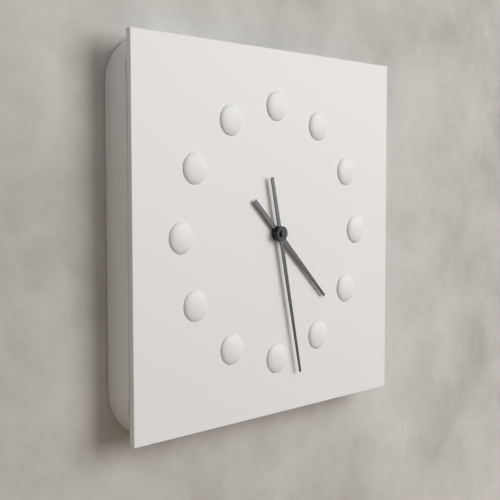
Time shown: **4:28**
